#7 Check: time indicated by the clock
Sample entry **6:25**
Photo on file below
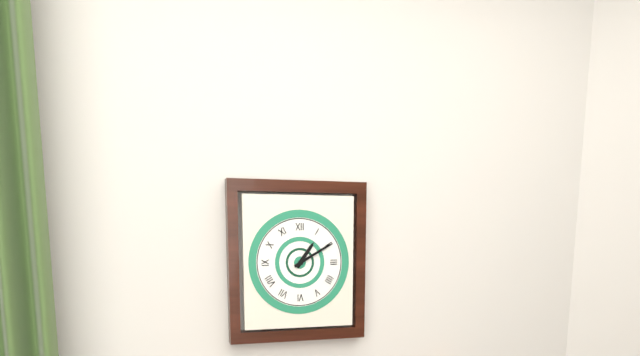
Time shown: **1:10**
